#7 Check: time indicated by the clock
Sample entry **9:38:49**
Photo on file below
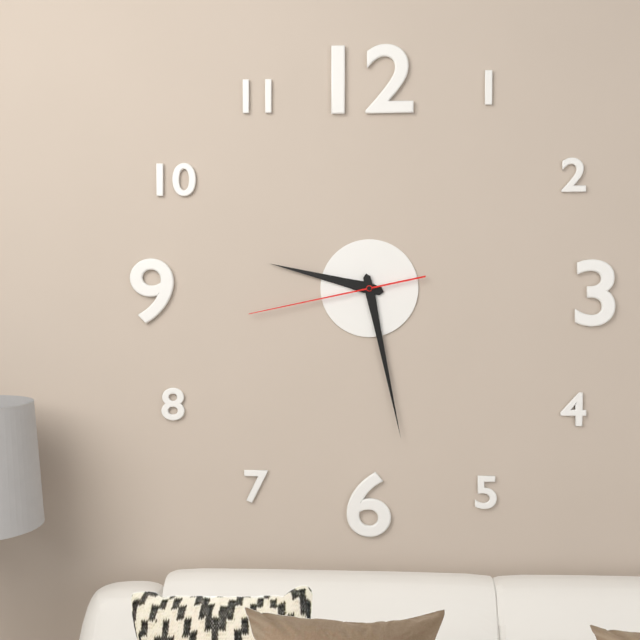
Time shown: **9:28:43**
